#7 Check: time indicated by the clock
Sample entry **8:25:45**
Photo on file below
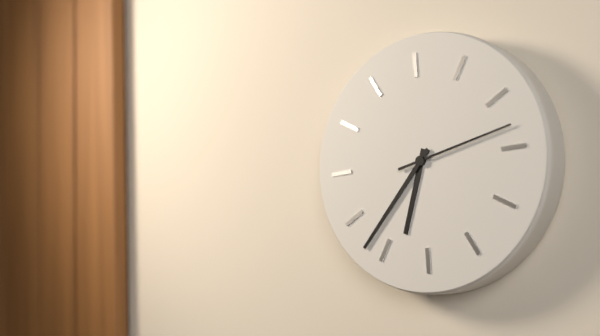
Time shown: **6:37:13**
